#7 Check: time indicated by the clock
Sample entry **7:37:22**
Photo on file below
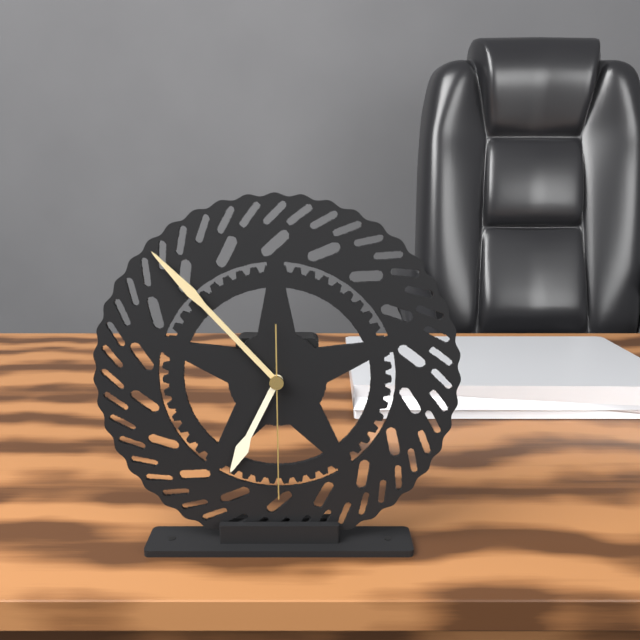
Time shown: **6:53:30**
